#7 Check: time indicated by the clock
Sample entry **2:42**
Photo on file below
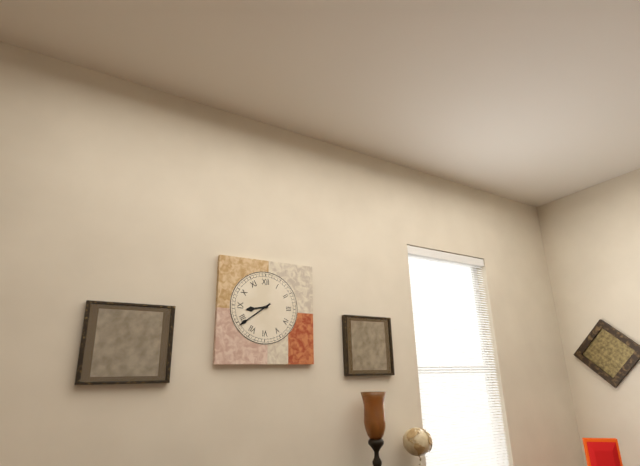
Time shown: **8:39**
